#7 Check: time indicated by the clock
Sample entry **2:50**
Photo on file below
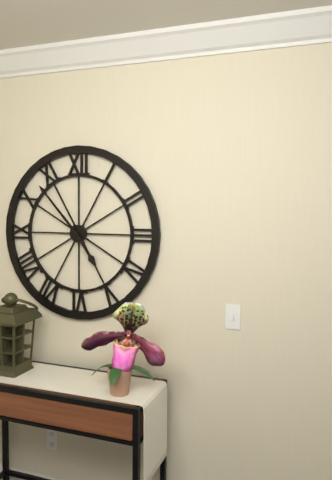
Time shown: **4:53**
